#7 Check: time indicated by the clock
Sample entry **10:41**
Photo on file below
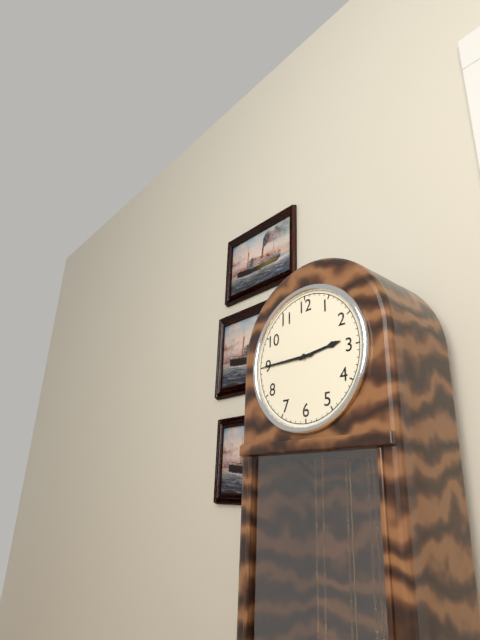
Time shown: **2:45**
